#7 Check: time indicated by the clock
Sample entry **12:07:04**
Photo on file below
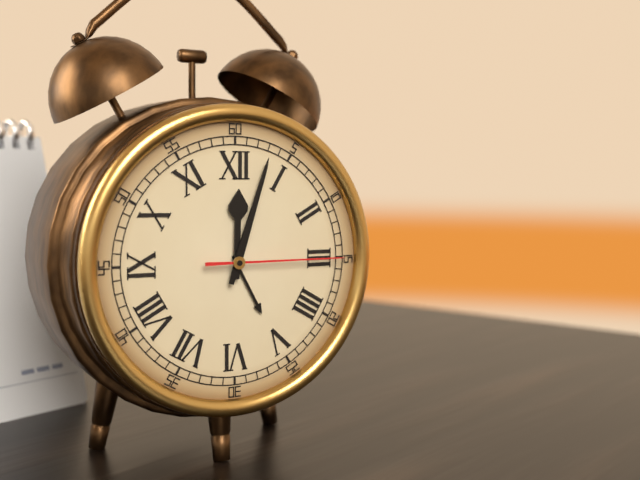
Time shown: **12:03:15**
